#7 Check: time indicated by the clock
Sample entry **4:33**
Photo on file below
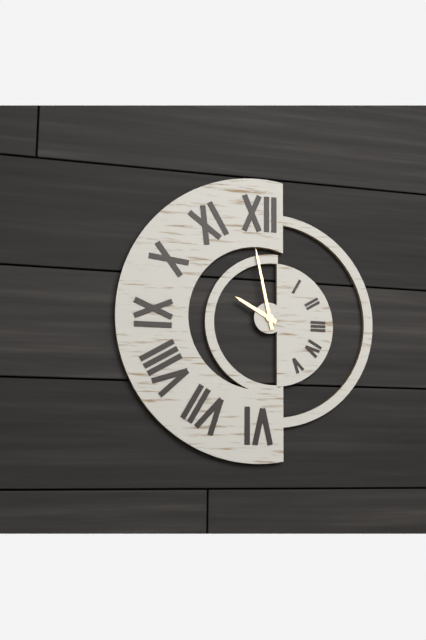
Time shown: **9:58**
